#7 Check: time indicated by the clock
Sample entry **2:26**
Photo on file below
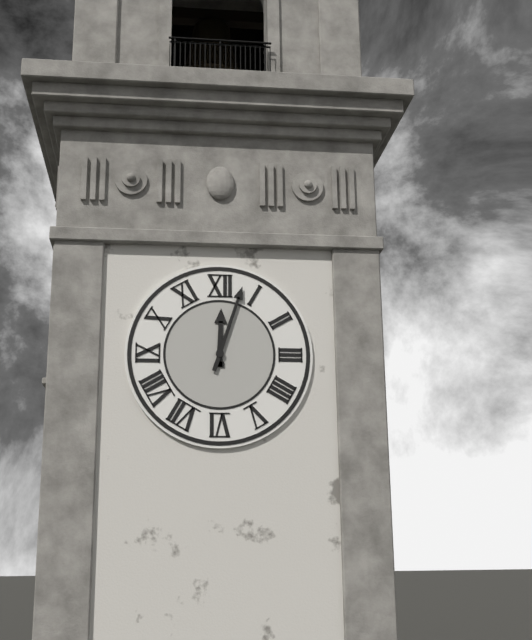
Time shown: **12:03**
